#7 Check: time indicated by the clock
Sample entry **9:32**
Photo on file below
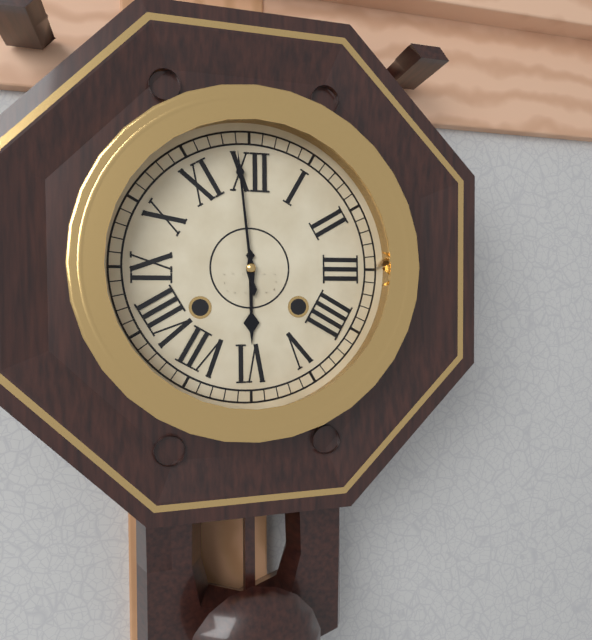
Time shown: **5:59**
